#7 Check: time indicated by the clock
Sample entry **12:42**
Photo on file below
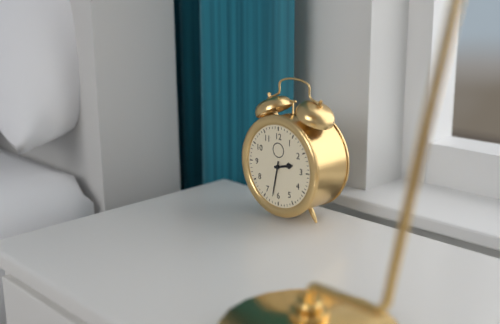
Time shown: **2:32**
